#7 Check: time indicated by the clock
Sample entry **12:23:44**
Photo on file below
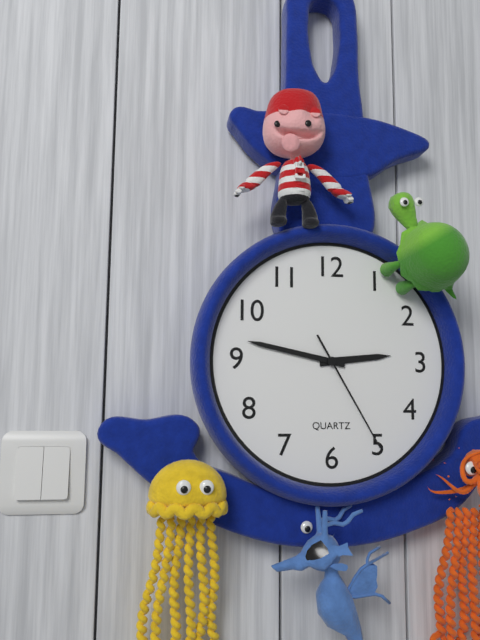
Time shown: **2:47:25**
